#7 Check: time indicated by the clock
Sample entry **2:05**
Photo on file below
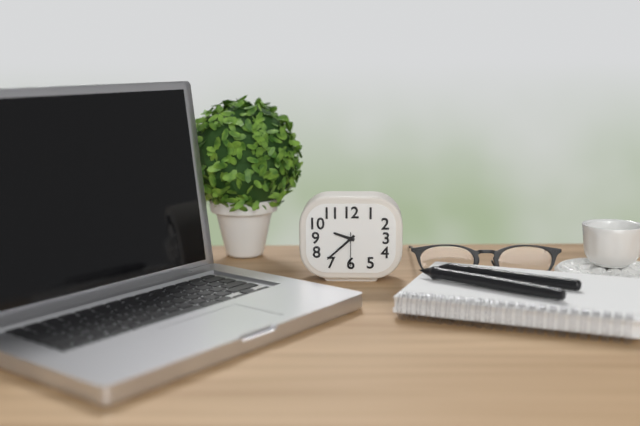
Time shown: **9:38**
